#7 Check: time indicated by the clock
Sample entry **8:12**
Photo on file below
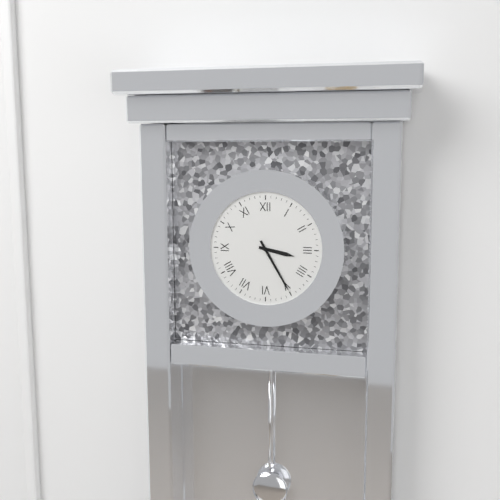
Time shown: **3:25**
